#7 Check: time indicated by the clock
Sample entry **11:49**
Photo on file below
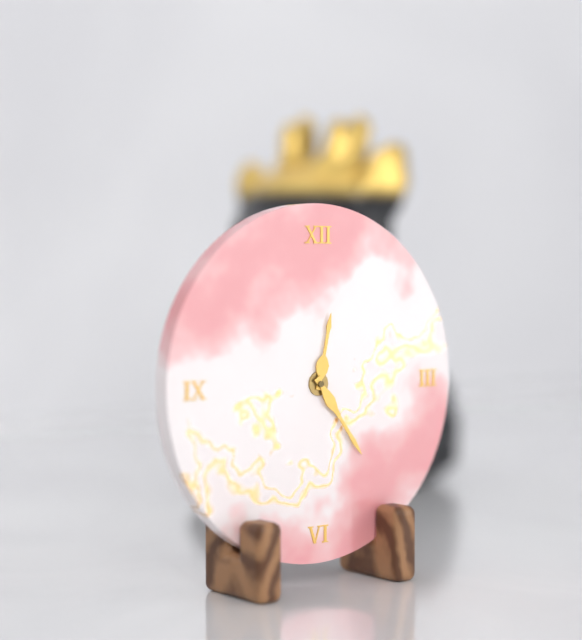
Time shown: **12:24**
